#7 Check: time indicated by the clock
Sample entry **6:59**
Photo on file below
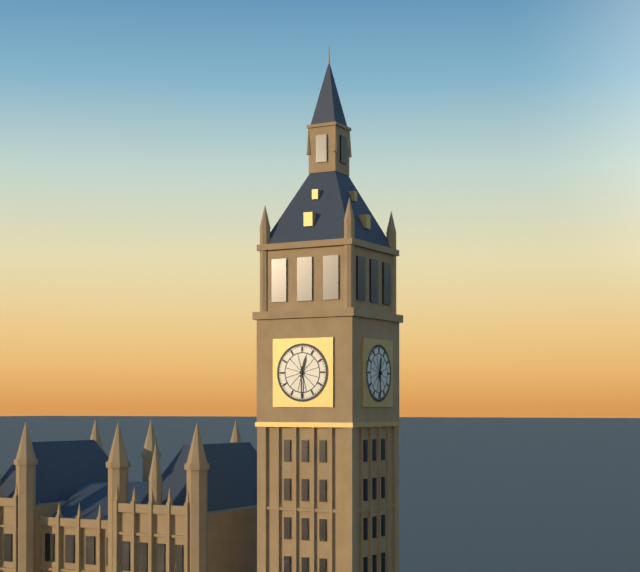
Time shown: **12:30**
